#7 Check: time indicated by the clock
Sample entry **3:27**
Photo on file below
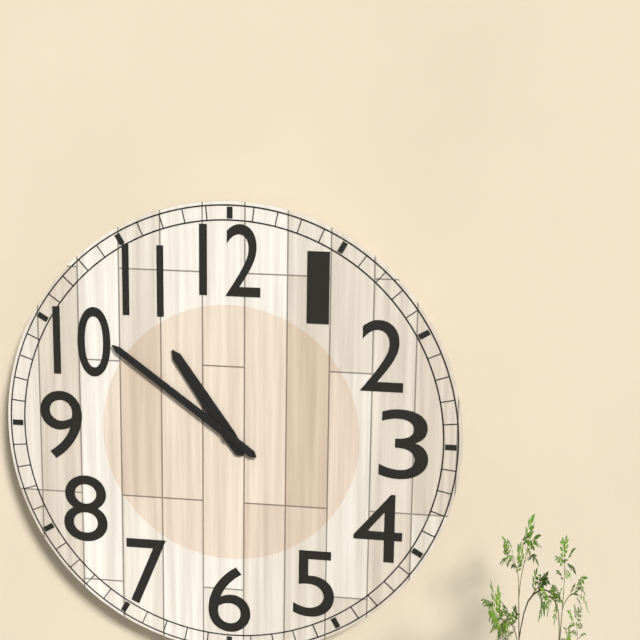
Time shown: **10:51**
